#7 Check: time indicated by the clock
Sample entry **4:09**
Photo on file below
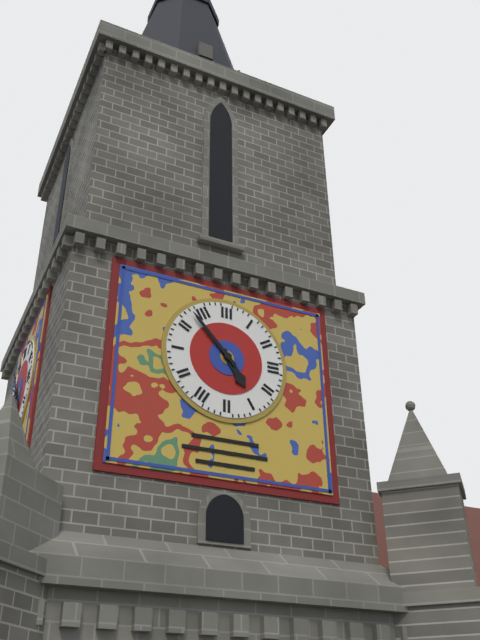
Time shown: **4:53**
